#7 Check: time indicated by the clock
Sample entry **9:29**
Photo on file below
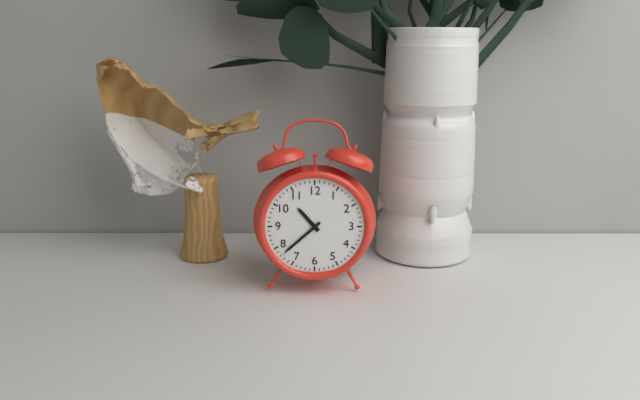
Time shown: **10:38**
